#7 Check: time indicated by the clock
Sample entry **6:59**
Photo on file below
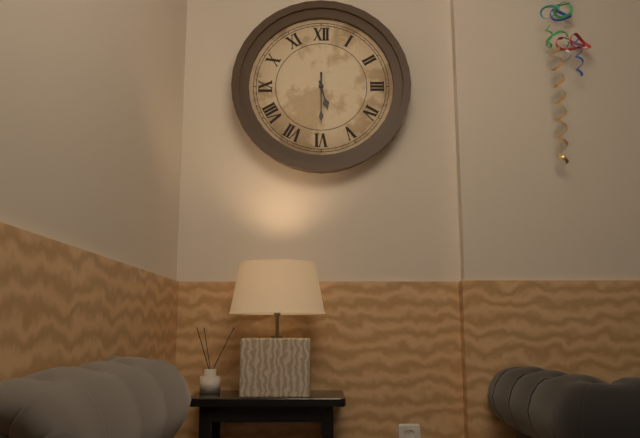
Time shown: **5:30**
